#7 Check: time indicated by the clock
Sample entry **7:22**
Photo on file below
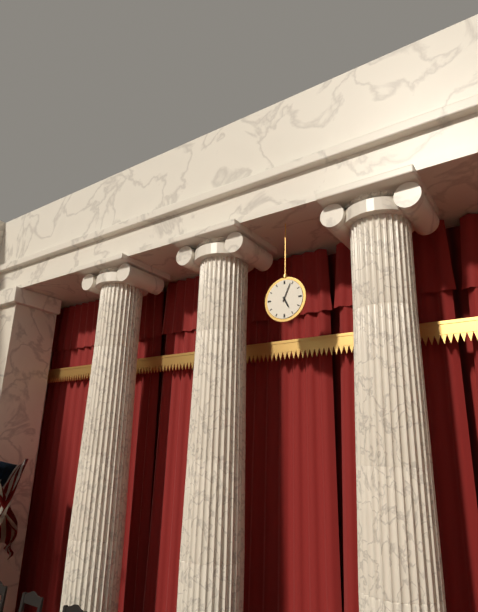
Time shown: **5:04**
